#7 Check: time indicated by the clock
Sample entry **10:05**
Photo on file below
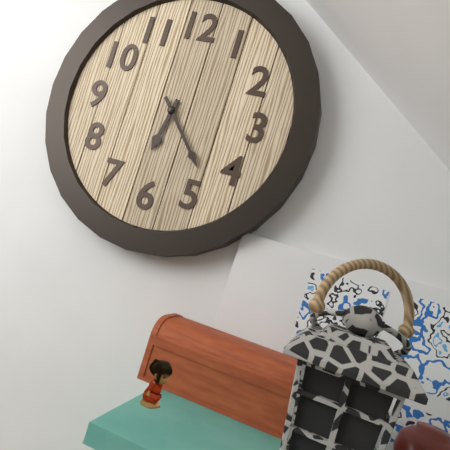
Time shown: **6:23**
